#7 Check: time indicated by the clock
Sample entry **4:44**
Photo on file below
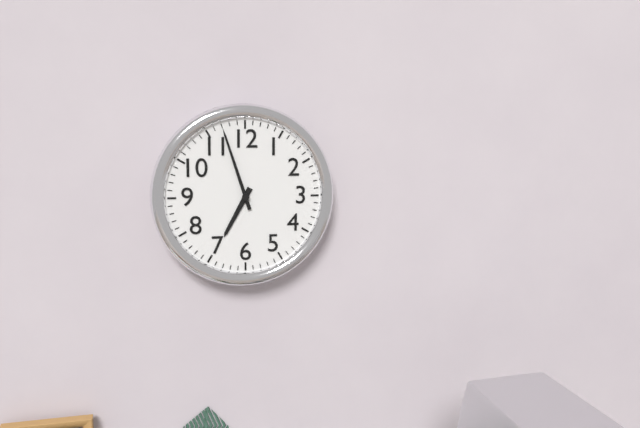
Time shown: **6:57**
